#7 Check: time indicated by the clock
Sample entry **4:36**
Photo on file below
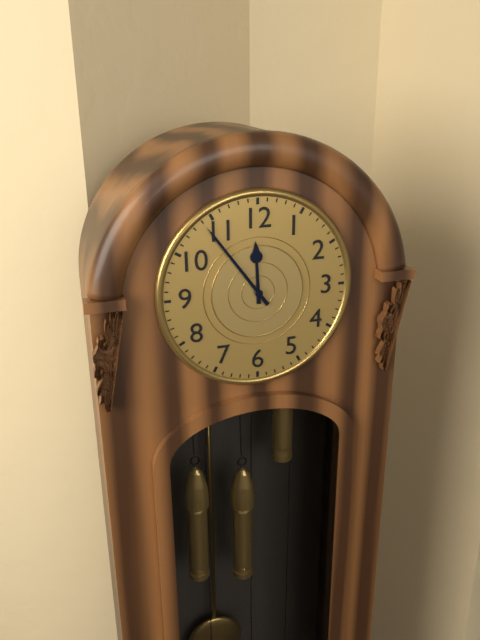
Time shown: **11:54**
